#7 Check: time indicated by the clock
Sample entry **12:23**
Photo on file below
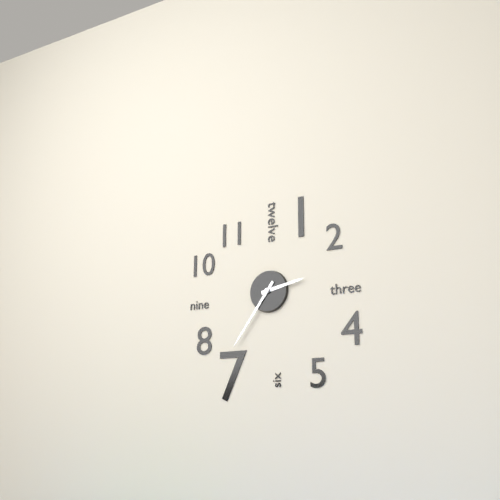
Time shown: **2:36**
